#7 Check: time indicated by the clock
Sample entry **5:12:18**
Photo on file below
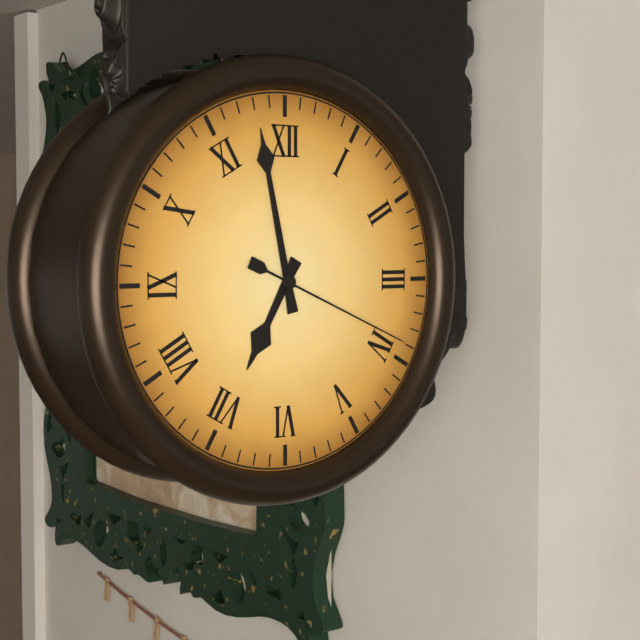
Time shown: **6:58:19**
